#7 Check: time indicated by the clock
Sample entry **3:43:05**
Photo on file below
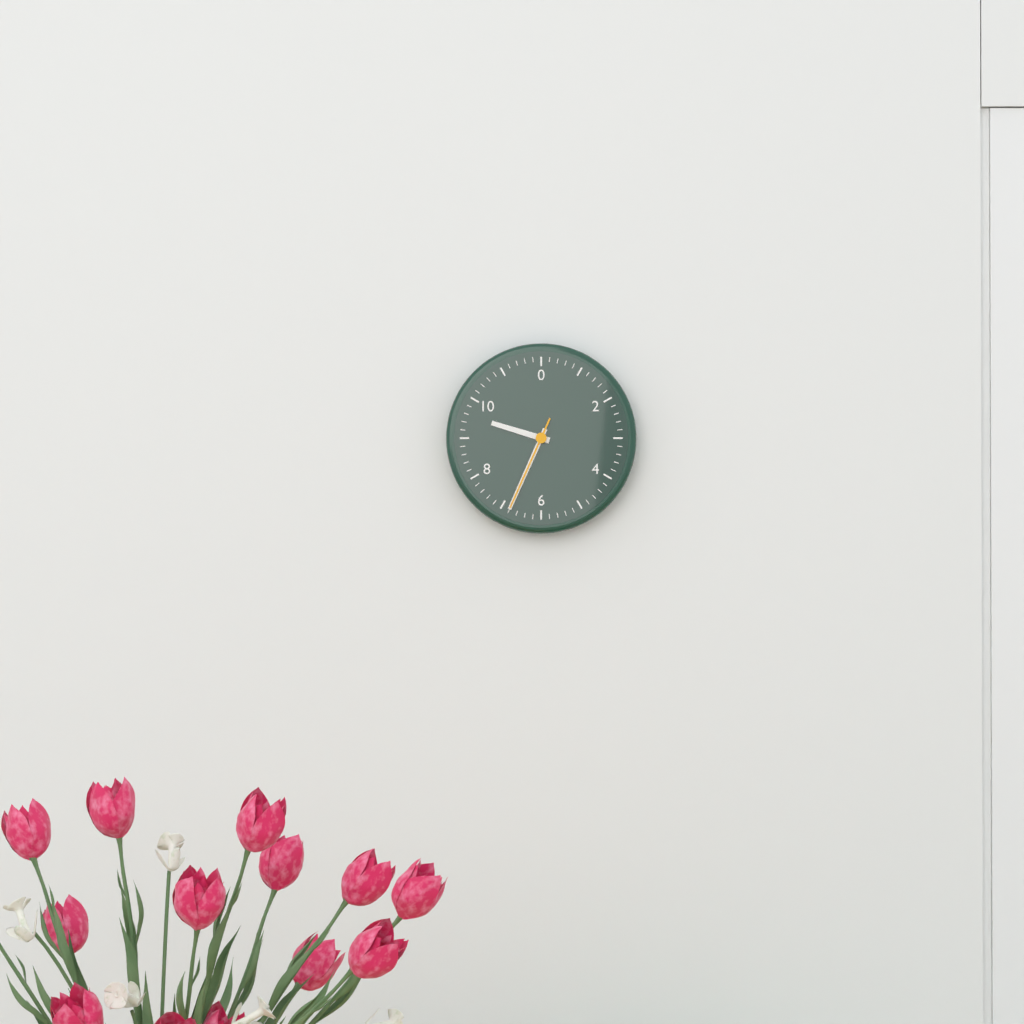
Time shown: **9:34:34**
